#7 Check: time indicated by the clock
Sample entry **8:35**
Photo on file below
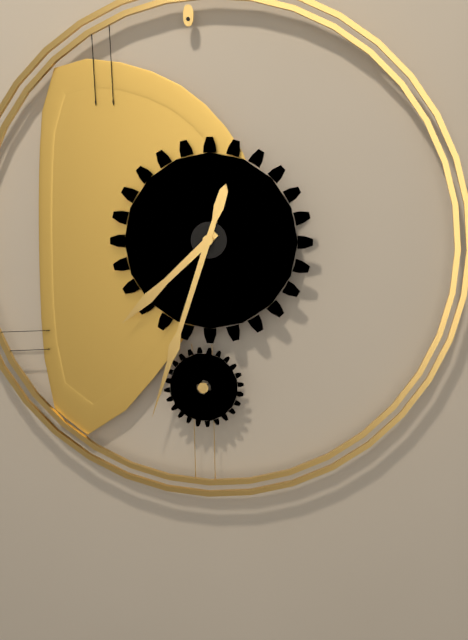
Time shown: **7:33**
